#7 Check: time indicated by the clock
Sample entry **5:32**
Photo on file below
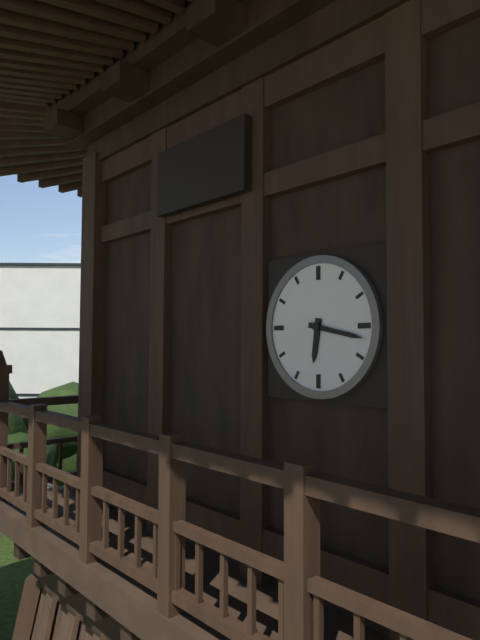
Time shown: **6:17**
